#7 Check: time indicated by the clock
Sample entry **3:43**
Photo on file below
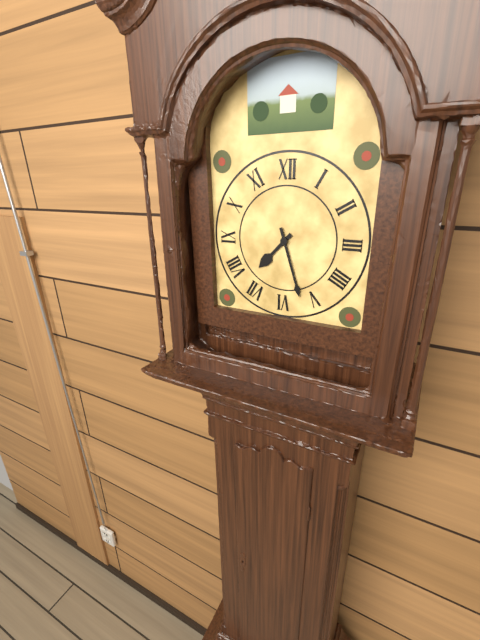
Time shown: **7:27**
